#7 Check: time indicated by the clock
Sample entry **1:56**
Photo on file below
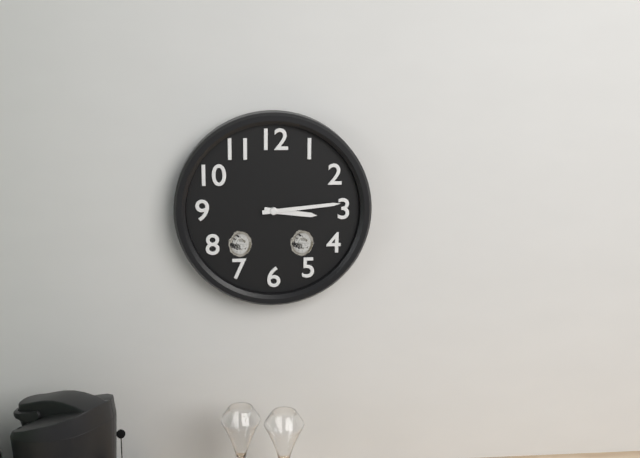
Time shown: **3:14**
